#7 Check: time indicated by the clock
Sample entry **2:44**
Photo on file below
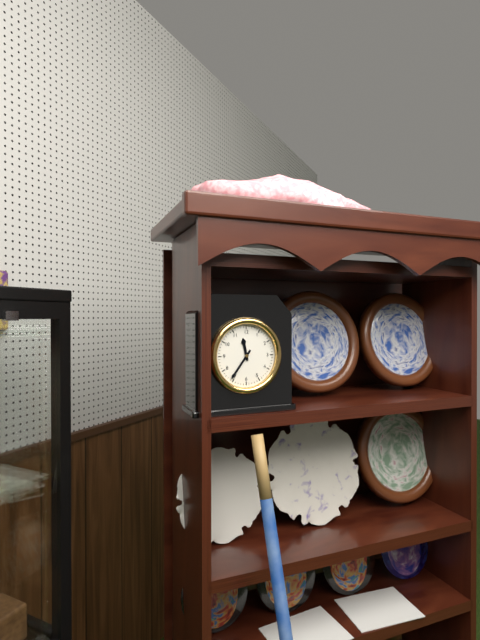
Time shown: **11:36**
